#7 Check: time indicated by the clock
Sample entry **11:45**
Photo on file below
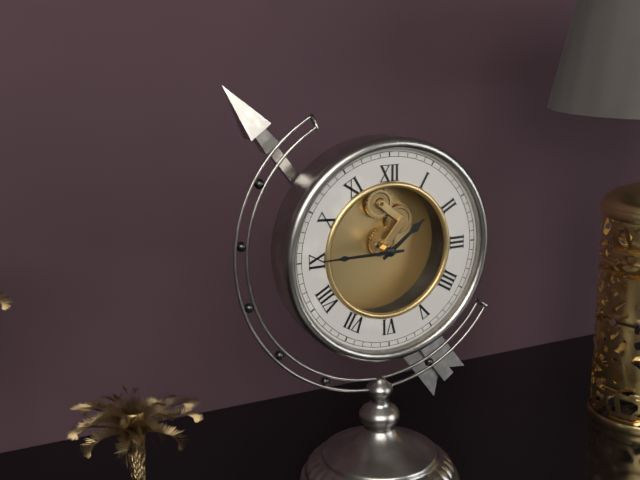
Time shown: **1:45**
